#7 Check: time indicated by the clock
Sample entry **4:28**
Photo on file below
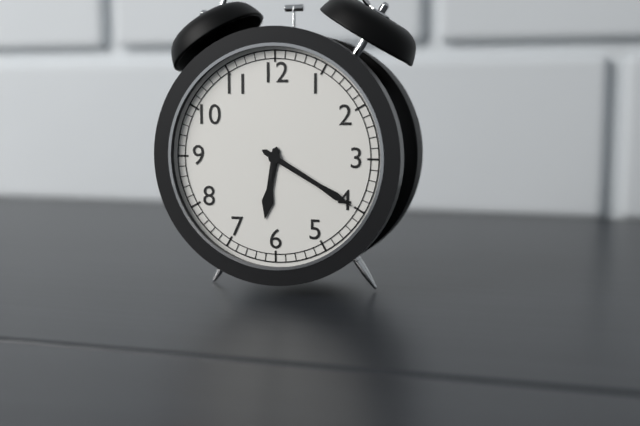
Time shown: **6:20**
